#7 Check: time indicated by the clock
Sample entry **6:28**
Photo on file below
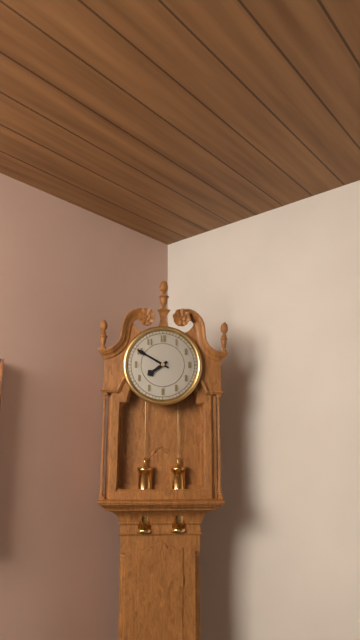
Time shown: **7:50**
